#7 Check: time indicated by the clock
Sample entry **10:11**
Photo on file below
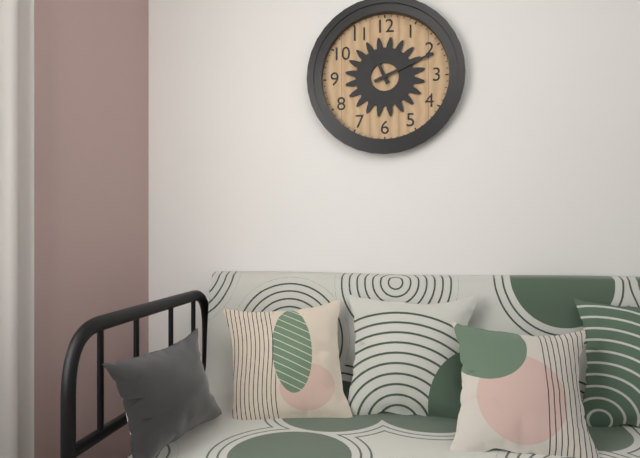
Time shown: **11:11**
